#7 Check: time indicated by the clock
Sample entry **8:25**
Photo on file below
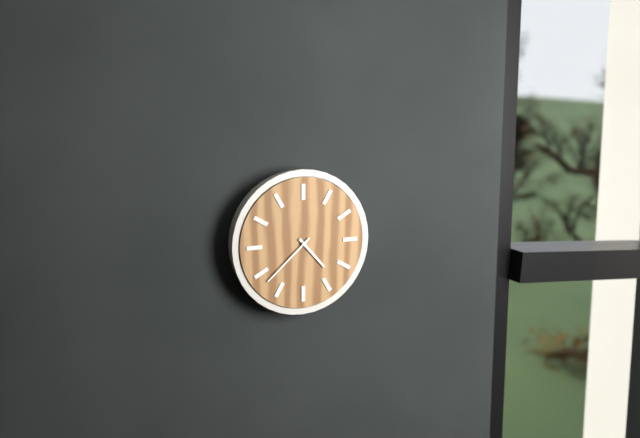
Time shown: **4:38**
